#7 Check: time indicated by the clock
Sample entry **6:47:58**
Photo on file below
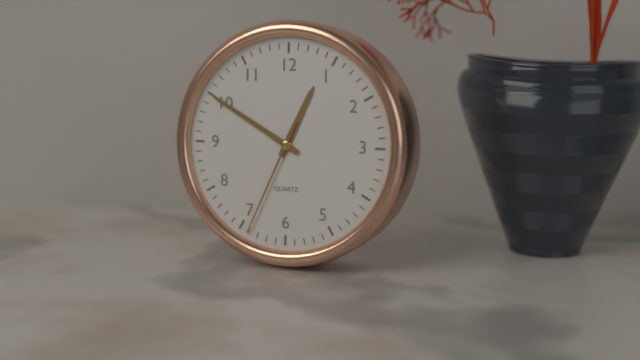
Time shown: **12:50:34**
